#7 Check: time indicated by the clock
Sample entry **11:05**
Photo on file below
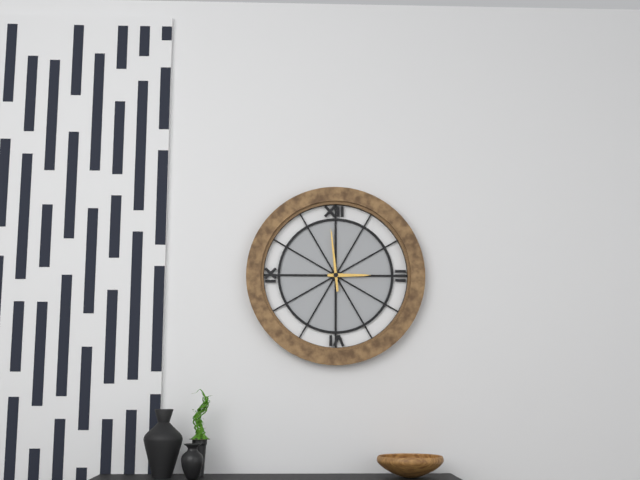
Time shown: **2:59**
